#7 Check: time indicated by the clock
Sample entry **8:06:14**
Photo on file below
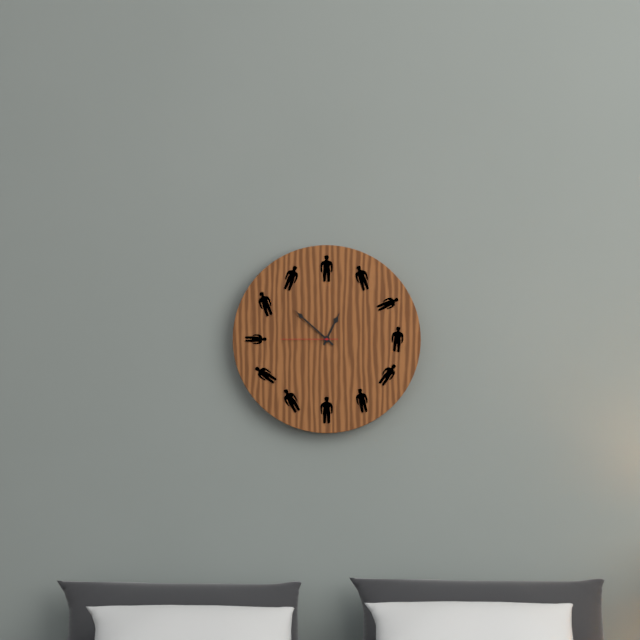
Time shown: **12:52:45**
